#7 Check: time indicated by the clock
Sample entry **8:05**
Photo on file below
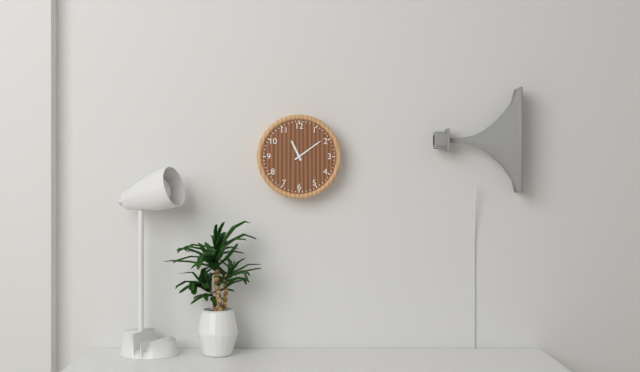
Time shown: **11:09**
